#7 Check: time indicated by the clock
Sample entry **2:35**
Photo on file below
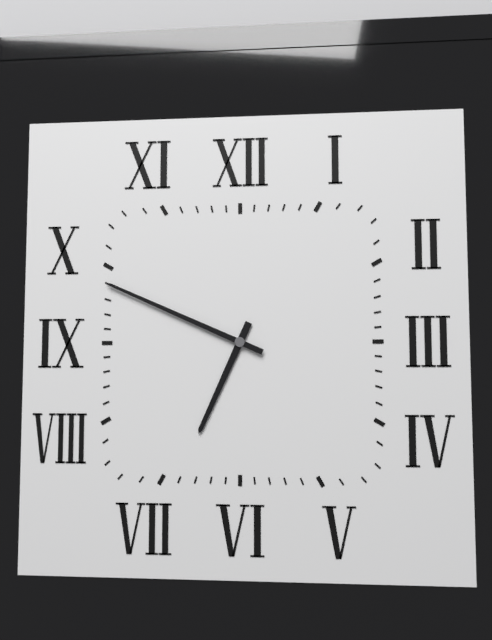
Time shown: **6:49**
